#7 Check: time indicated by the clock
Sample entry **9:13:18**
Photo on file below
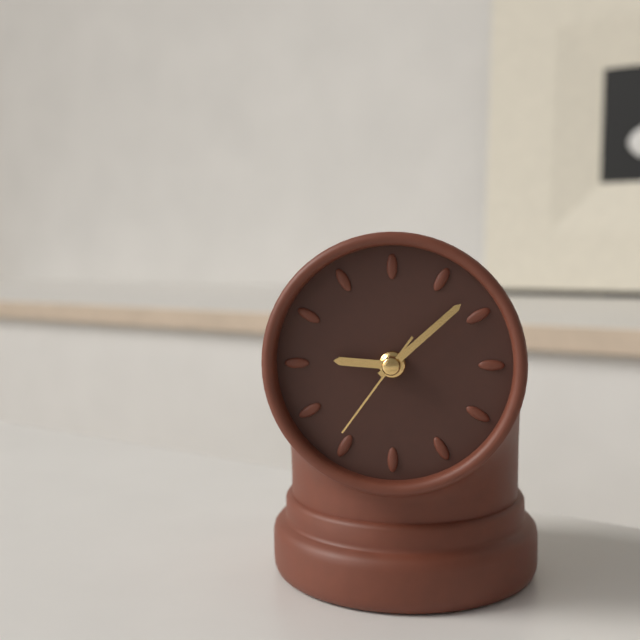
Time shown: **9:08:36**
